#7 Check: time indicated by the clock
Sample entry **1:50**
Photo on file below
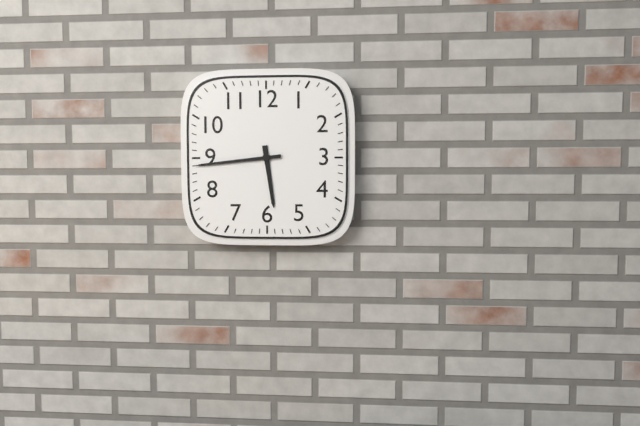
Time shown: **5:44**
